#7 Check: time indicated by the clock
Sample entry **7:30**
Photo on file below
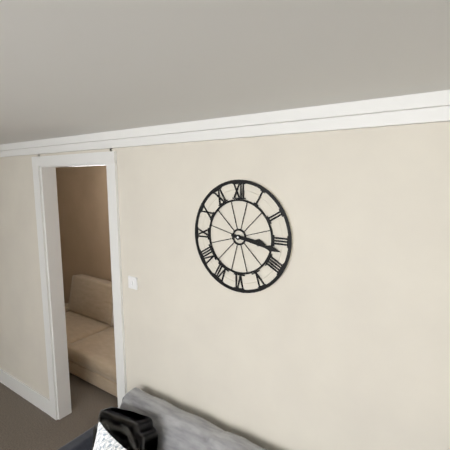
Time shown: **3:17**
